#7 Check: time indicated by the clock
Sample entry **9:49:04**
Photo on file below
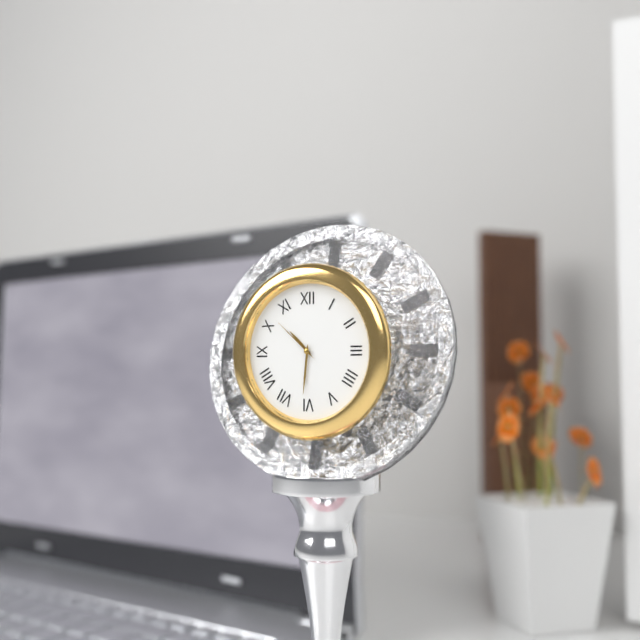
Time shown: **10:31:52**
